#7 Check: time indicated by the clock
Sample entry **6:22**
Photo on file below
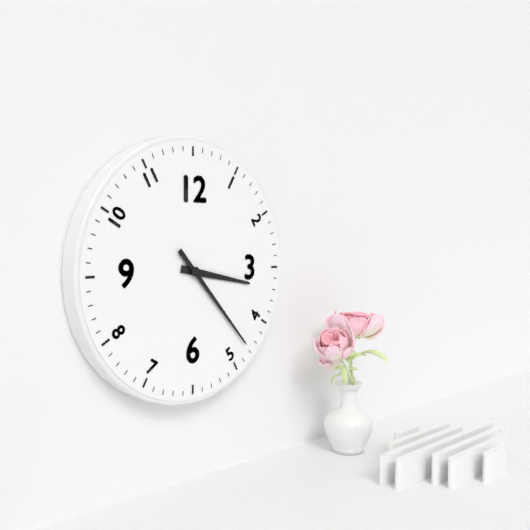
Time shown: **3:23**
